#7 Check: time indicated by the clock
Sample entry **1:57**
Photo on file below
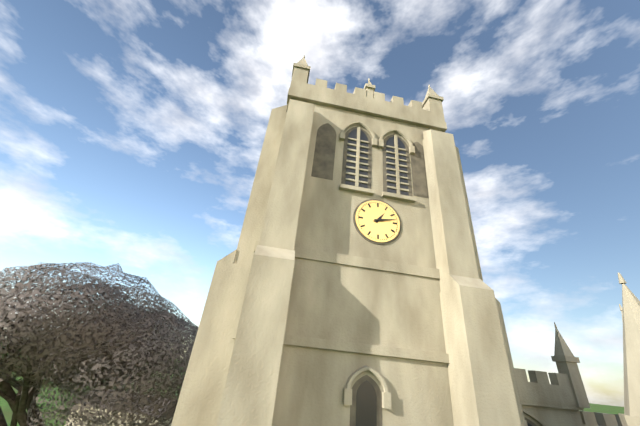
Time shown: **1:13**
